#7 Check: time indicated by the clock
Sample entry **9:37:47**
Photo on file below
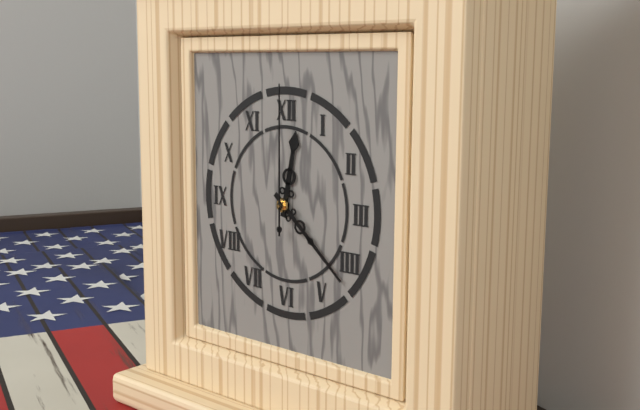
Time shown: **12:22:00**
